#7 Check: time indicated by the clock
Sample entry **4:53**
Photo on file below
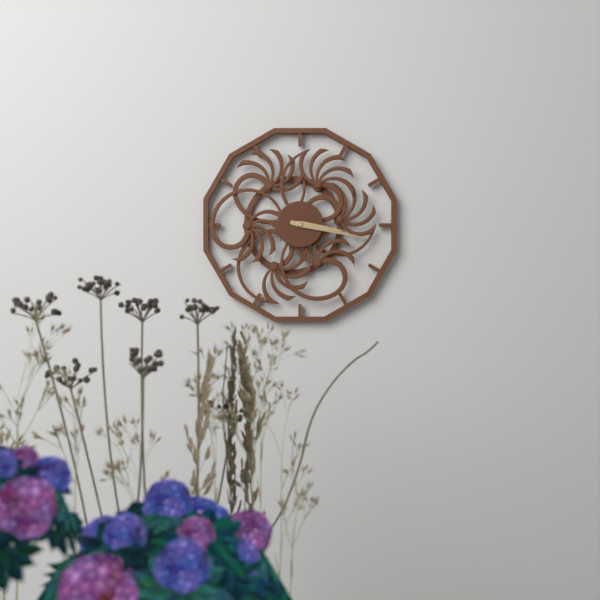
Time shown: **3:17**
